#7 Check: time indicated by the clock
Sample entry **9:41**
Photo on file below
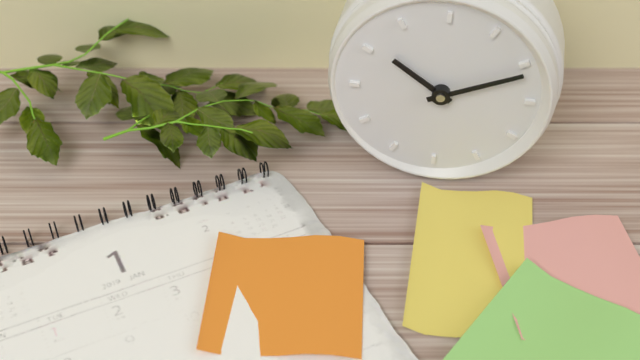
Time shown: **10:11**
